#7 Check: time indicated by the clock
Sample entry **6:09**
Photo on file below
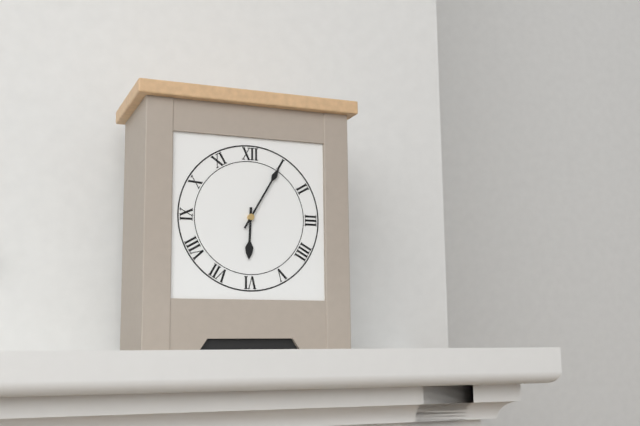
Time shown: **6:05**
